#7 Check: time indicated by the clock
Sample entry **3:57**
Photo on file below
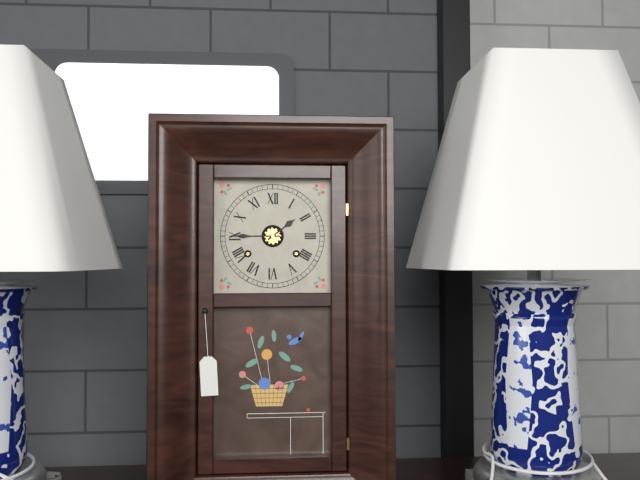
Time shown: **1:45**
